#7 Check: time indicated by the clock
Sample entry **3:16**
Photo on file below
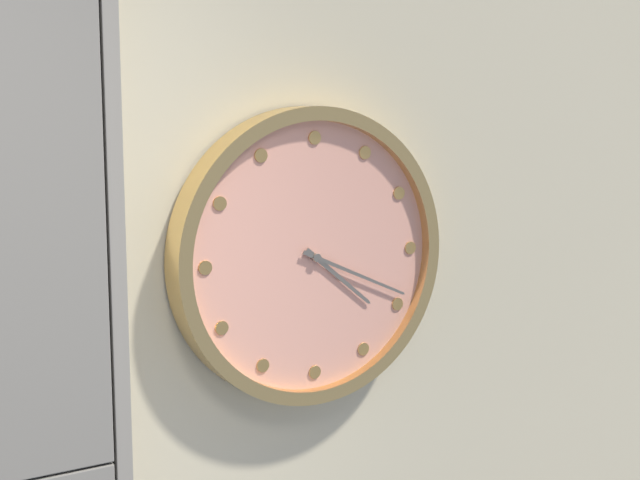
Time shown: **4:19**
